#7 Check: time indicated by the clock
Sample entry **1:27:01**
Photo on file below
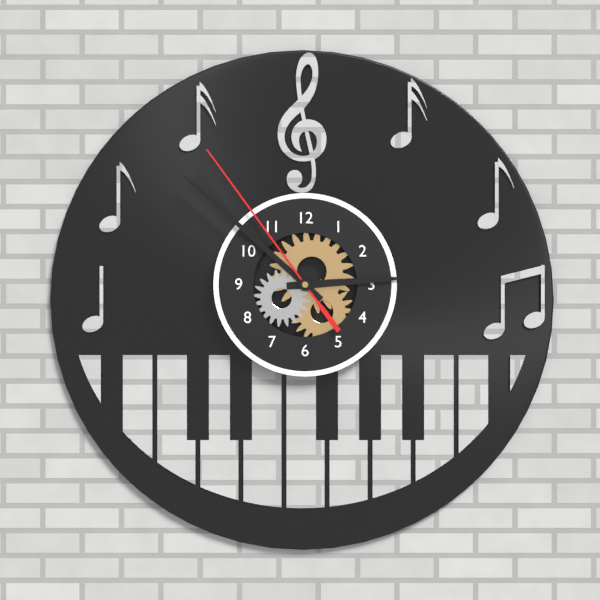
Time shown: **2:52:54**
